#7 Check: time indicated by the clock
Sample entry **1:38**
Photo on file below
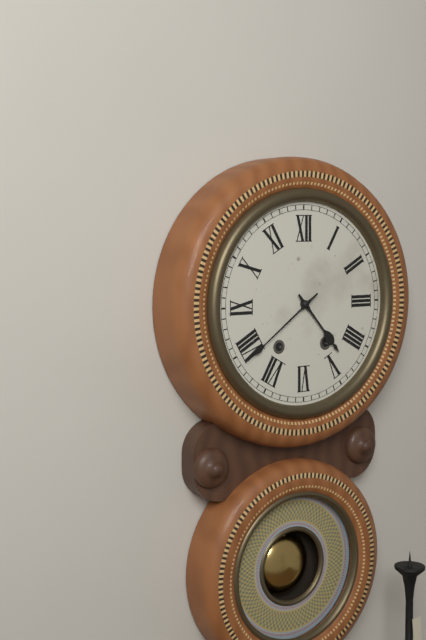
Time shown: **4:39**
